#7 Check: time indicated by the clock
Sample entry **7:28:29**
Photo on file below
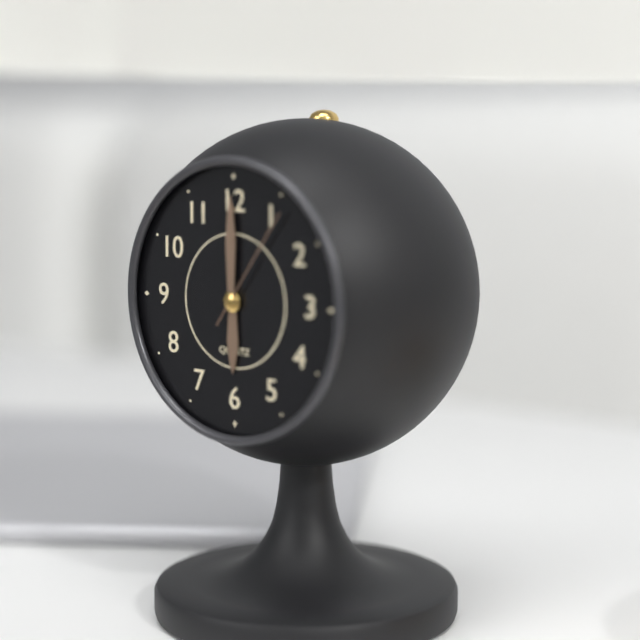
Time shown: **6:00:06**
